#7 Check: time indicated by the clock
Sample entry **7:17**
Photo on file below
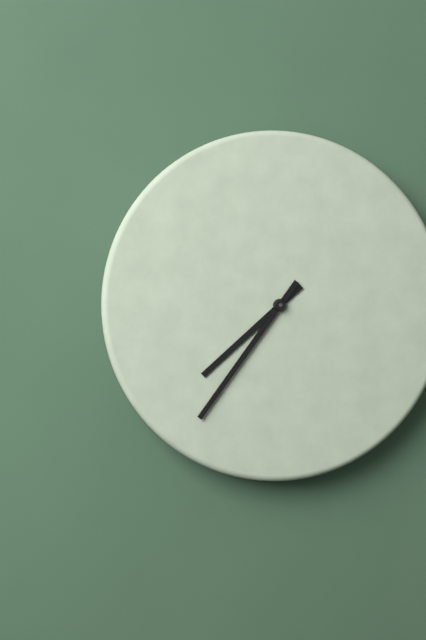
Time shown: **7:36**
